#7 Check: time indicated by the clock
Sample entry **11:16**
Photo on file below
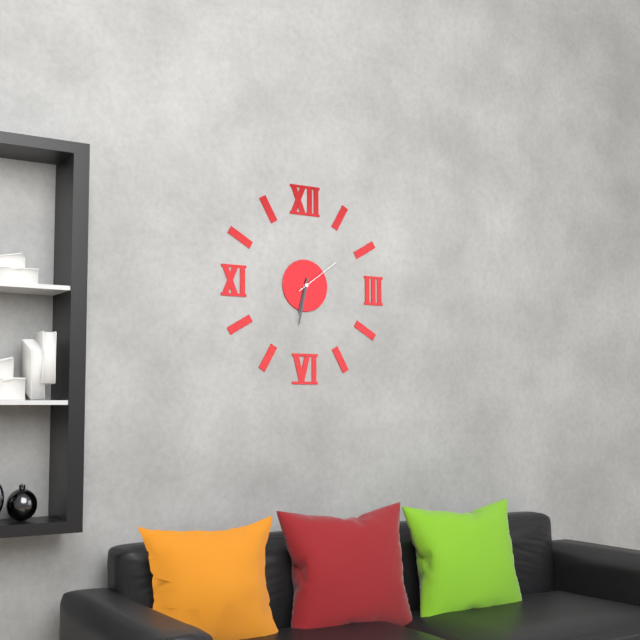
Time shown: **6:32**
